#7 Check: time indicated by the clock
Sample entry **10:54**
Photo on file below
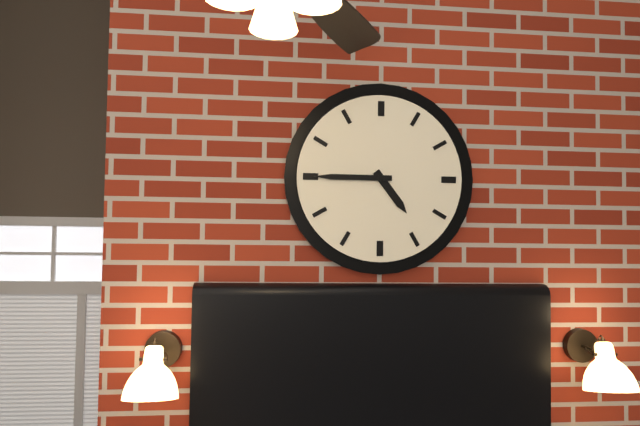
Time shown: **4:45**
